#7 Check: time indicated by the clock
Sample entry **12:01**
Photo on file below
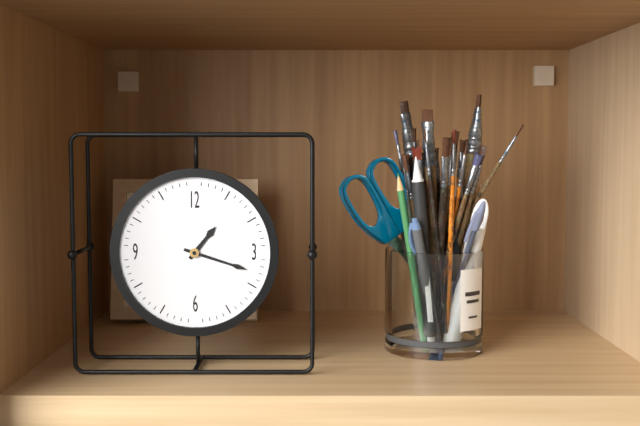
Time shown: **1:18**
